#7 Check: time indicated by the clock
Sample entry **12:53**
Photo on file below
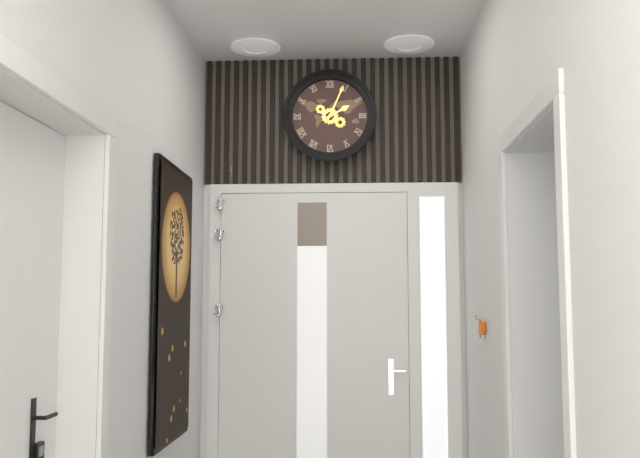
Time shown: **2:04**
